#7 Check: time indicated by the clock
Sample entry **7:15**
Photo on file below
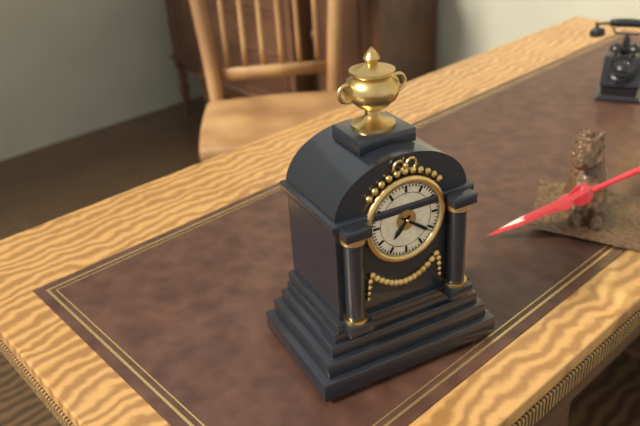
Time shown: **7:21**
